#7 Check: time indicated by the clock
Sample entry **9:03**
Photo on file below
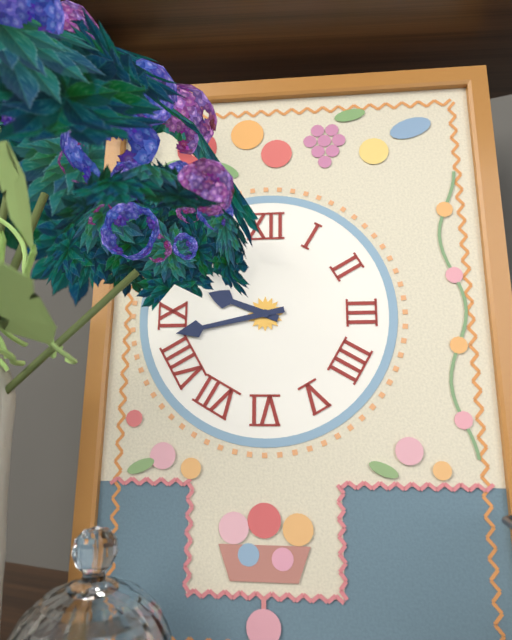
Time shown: **9:43**
